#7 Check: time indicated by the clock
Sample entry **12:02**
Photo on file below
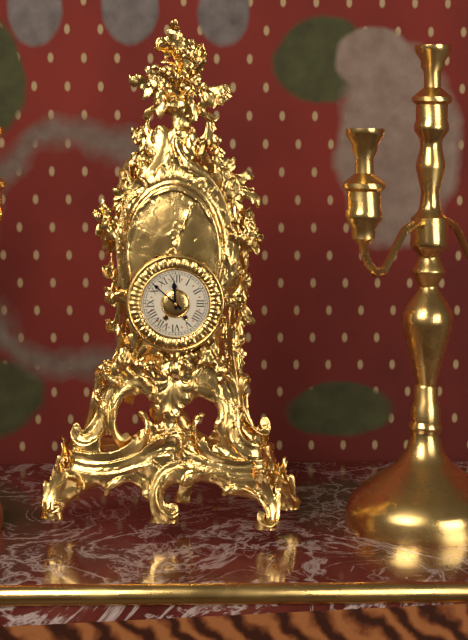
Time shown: **11:52**
